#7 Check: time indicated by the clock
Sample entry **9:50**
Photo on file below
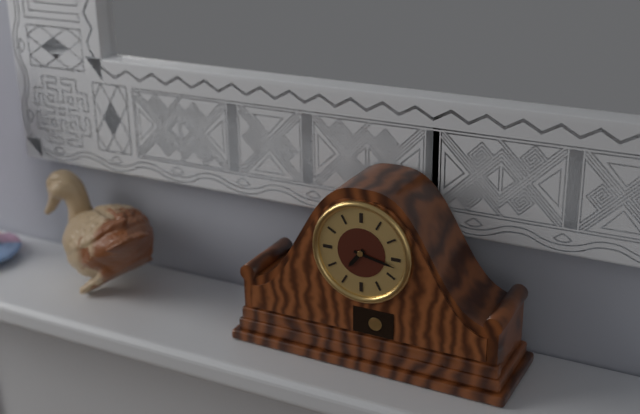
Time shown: **7:17**
